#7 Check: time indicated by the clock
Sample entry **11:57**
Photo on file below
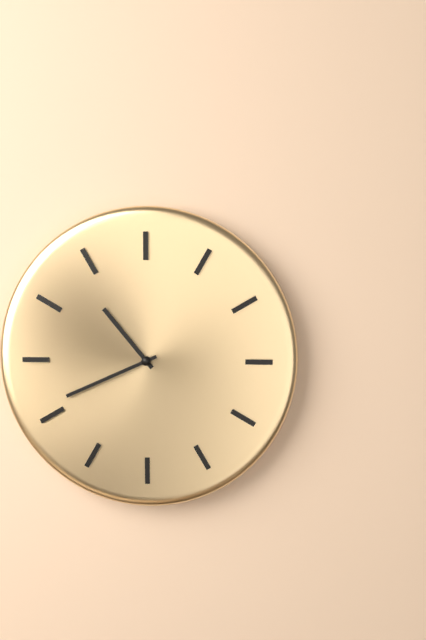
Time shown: **10:41**
